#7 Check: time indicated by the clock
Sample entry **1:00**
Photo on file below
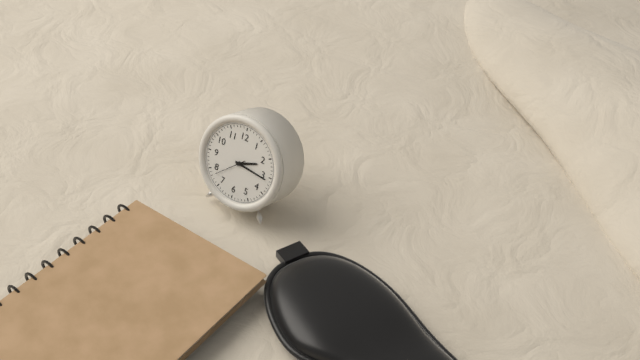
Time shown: **2:16**
